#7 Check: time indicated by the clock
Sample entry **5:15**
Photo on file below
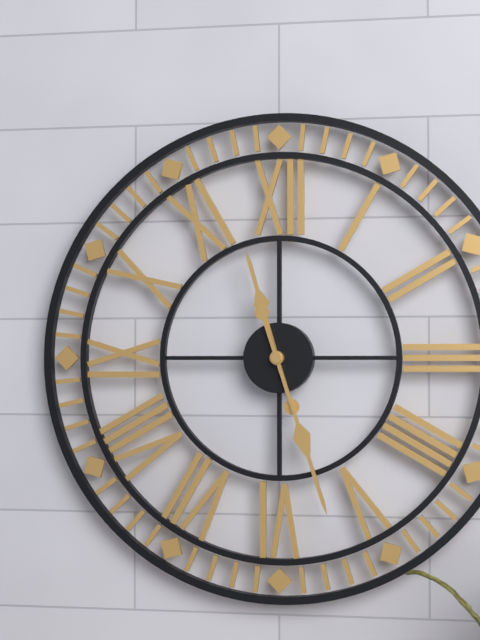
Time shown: **11:27**
